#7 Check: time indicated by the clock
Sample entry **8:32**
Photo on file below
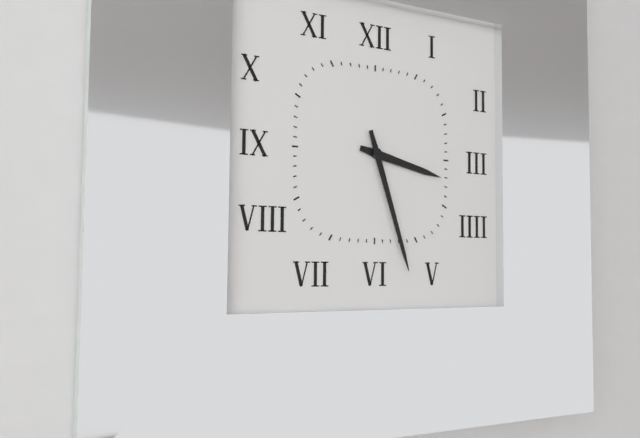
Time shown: **3:27**
